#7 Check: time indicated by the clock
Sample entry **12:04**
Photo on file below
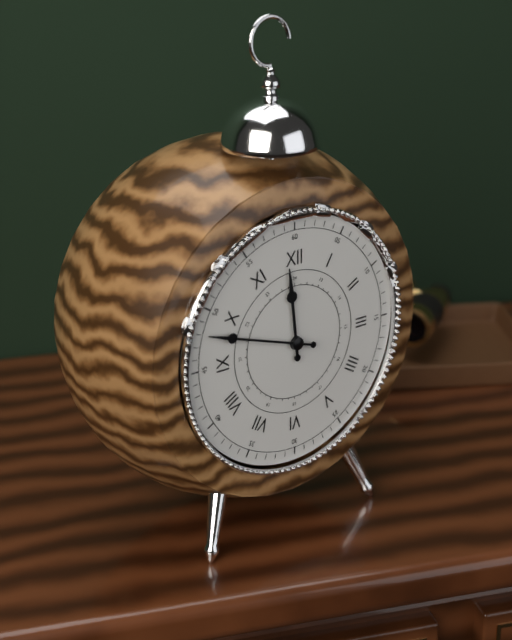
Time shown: **11:48**
